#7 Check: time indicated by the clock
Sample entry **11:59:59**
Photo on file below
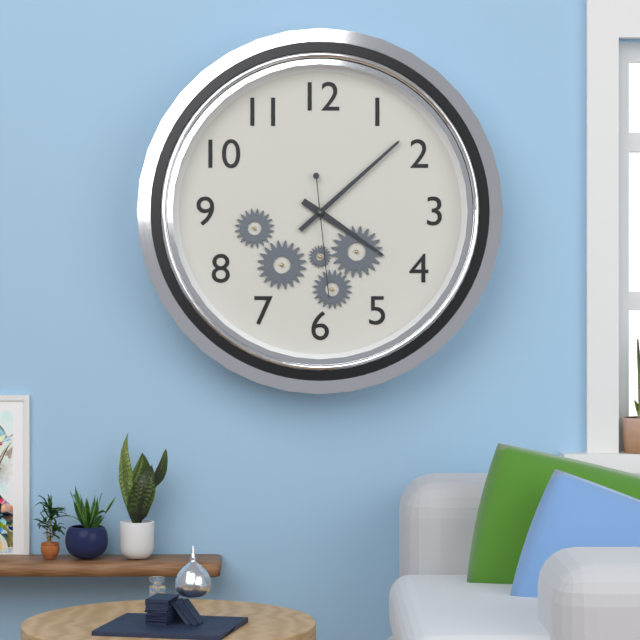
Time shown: **4:08:29**
